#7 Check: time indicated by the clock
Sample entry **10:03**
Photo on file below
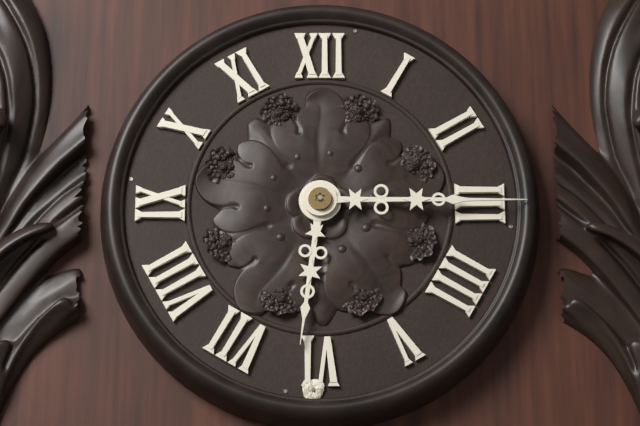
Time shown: **6:15**
